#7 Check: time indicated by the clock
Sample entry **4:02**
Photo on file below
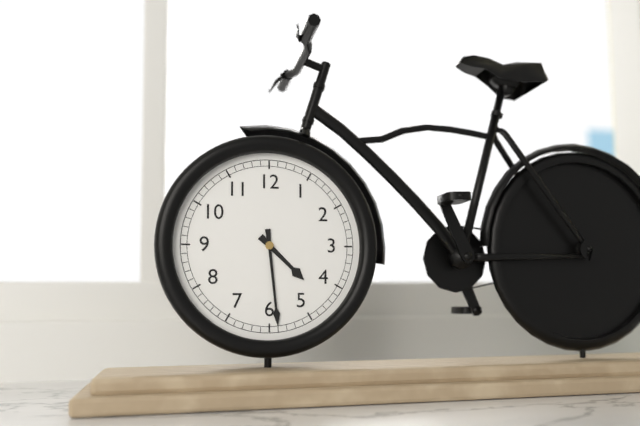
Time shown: **4:29**
